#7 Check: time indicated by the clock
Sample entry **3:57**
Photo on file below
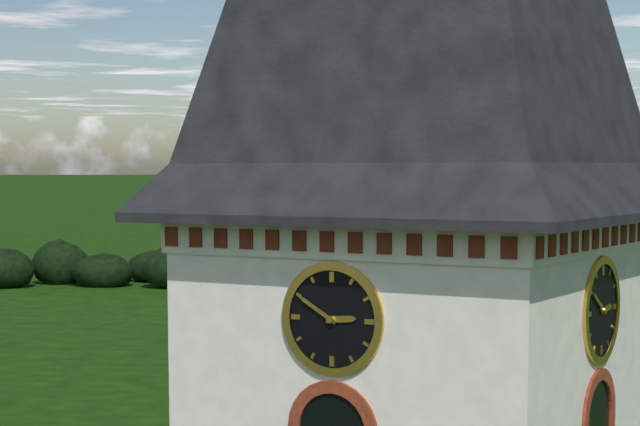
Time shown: **2:50**
